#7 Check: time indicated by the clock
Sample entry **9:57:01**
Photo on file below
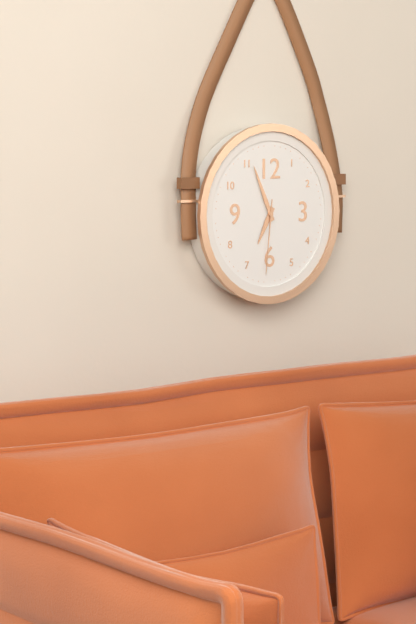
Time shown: **6:56:31**
